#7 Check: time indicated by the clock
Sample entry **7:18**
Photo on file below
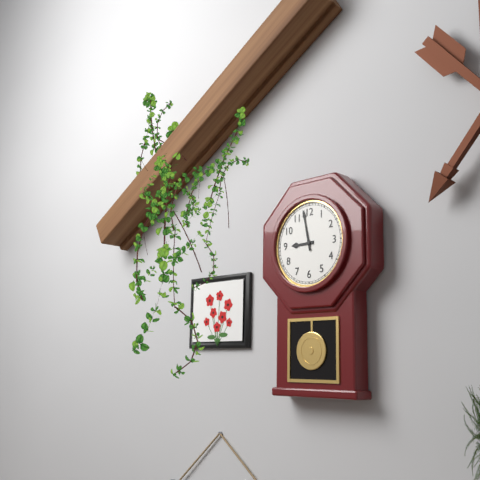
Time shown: **8:58**
